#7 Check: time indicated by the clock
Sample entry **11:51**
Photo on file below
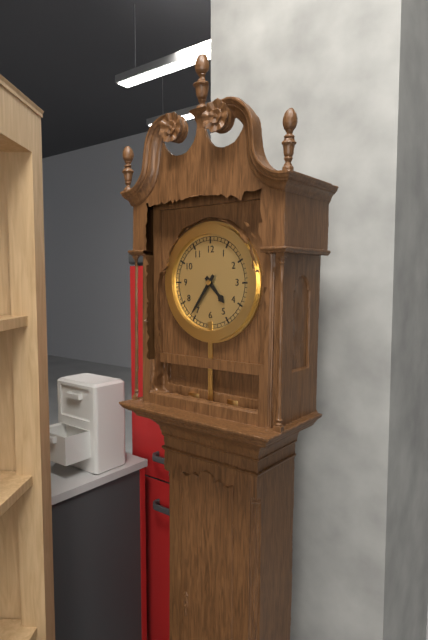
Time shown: **4:36**
